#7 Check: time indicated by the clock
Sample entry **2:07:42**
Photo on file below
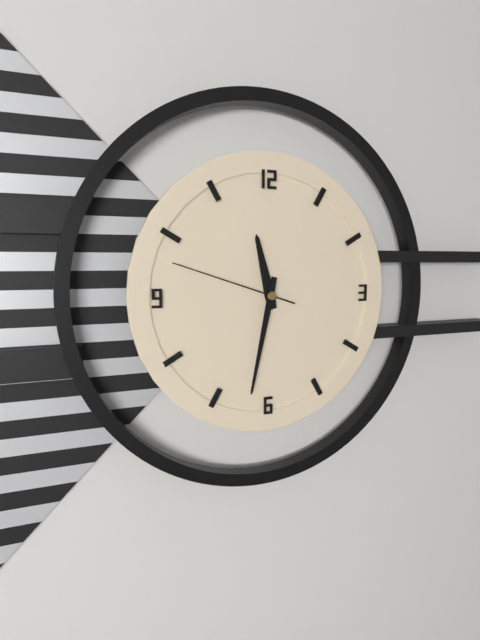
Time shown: **11:32:48**
